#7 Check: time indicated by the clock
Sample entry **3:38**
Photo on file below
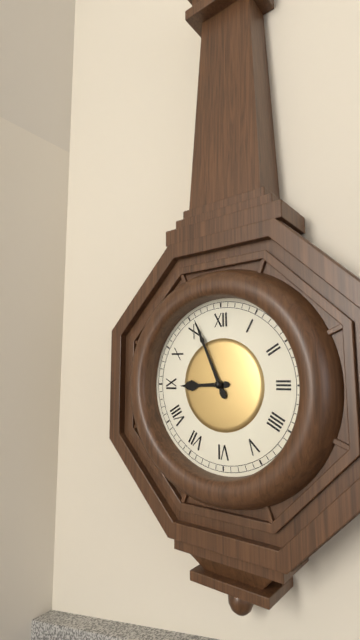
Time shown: **8:56**
